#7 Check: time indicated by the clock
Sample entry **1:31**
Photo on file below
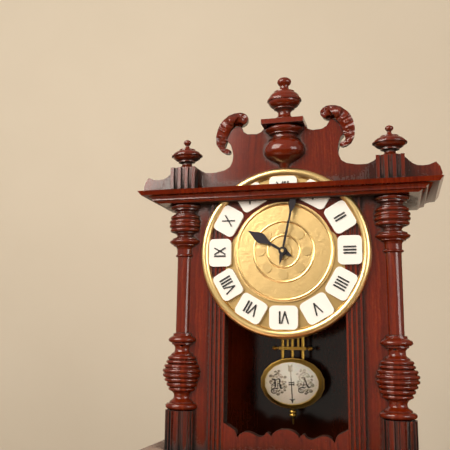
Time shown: **10:02**
